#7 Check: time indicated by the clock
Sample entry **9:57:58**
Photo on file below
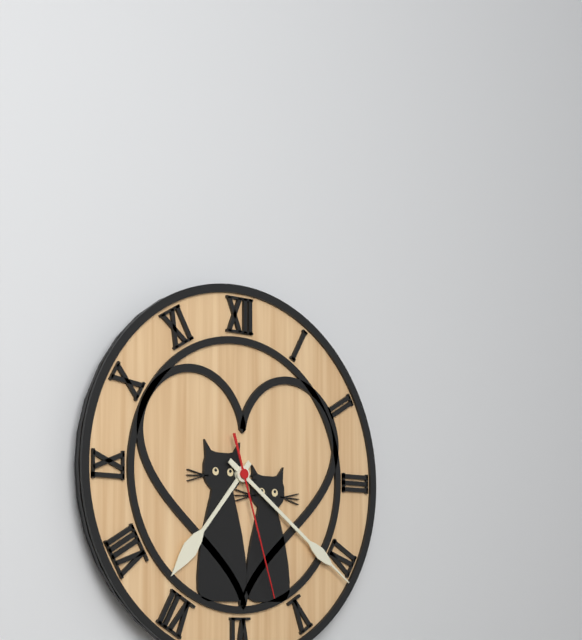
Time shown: **7:21:27**
